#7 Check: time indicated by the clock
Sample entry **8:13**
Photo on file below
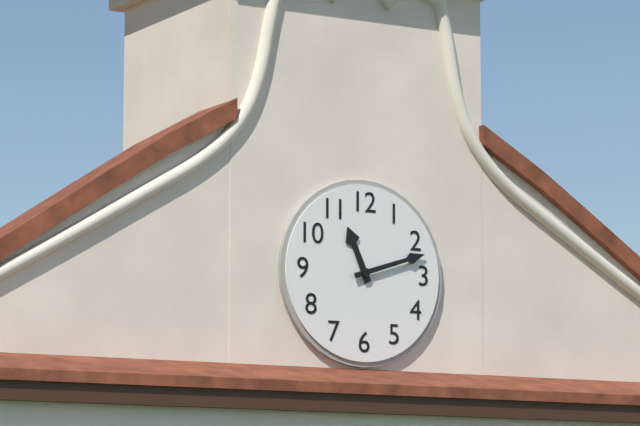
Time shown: **11:12**
